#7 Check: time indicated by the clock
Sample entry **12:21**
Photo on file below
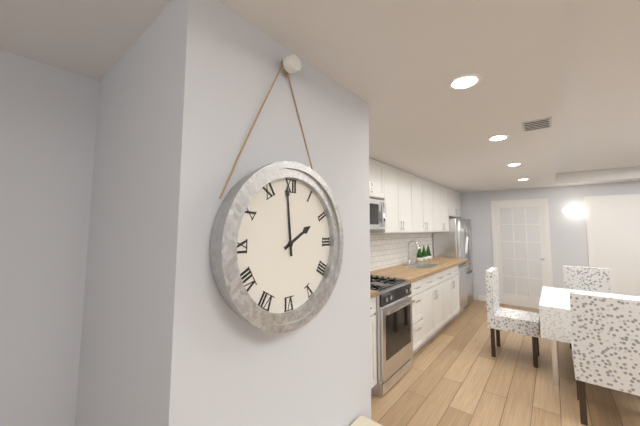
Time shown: **1:59**
